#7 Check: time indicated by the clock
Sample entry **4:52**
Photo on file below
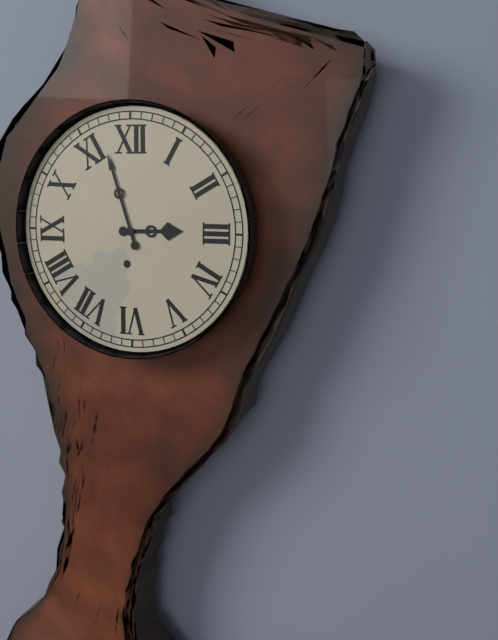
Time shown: **2:57**
